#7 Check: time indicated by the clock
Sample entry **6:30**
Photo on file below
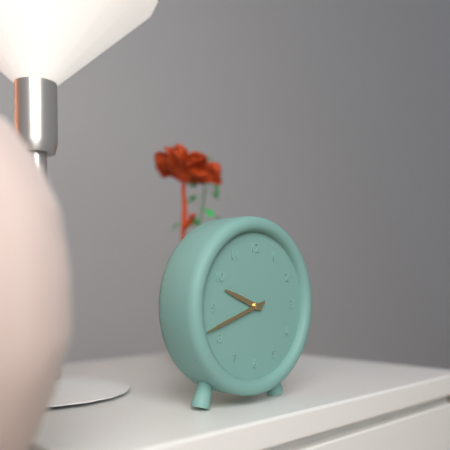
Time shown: **9:42**
